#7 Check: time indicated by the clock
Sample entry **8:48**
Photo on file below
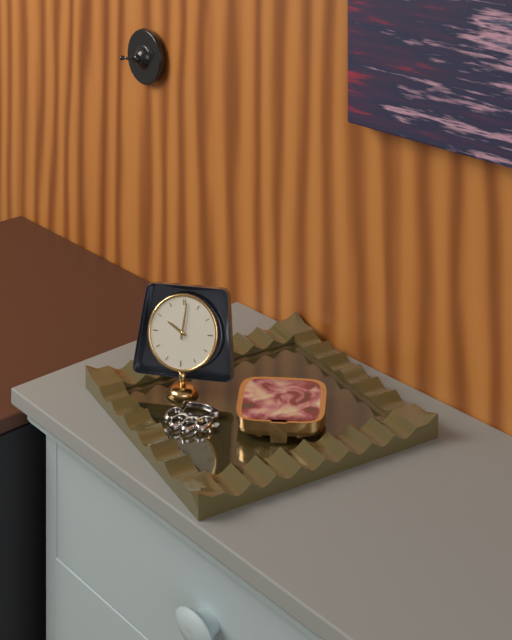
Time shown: **10:01**
